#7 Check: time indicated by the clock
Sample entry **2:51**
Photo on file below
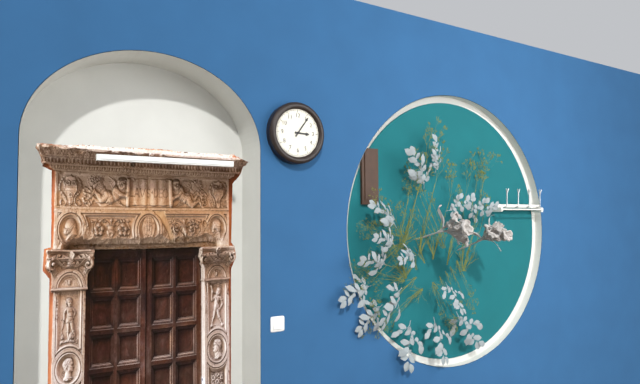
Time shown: **3:06**
